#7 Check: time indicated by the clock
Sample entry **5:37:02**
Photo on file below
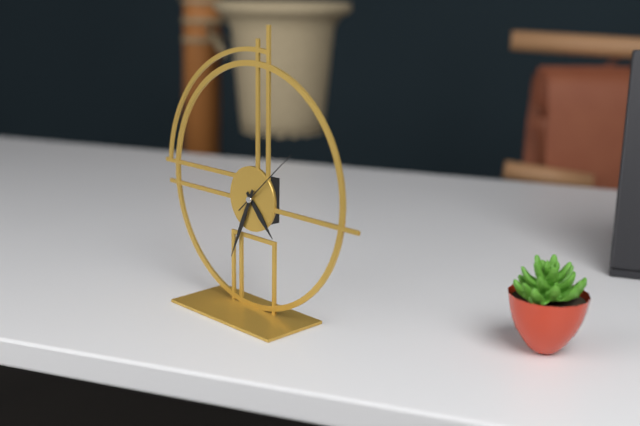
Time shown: **4:34:08**
